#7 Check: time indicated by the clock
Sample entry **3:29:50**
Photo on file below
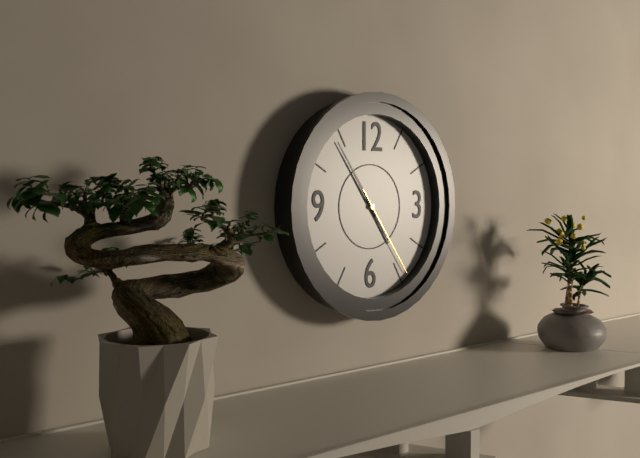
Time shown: **4:54:24**
